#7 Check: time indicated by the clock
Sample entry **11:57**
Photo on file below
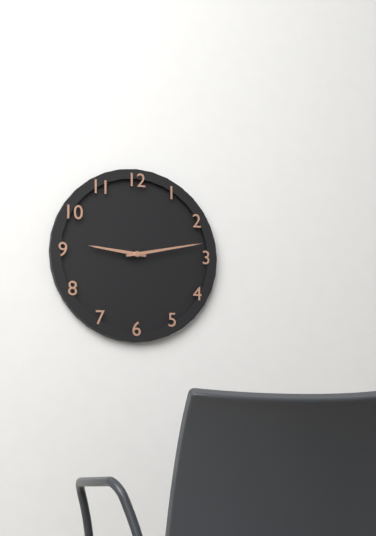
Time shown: **9:13**
